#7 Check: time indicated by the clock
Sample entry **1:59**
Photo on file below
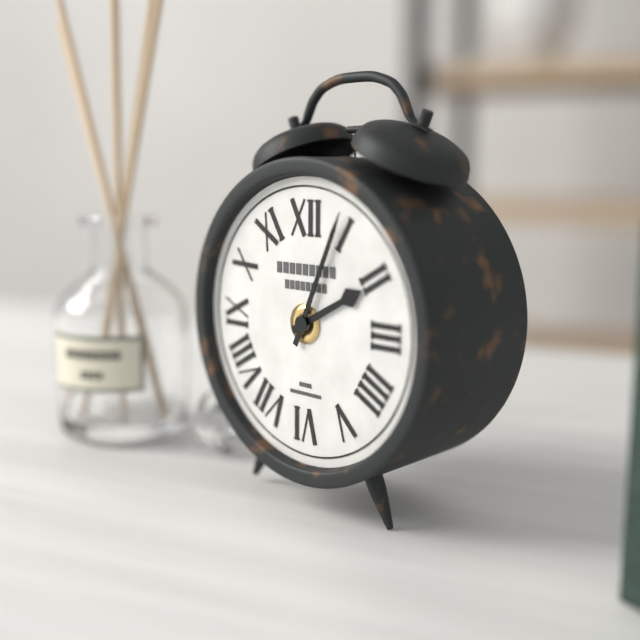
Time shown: **2:04**
